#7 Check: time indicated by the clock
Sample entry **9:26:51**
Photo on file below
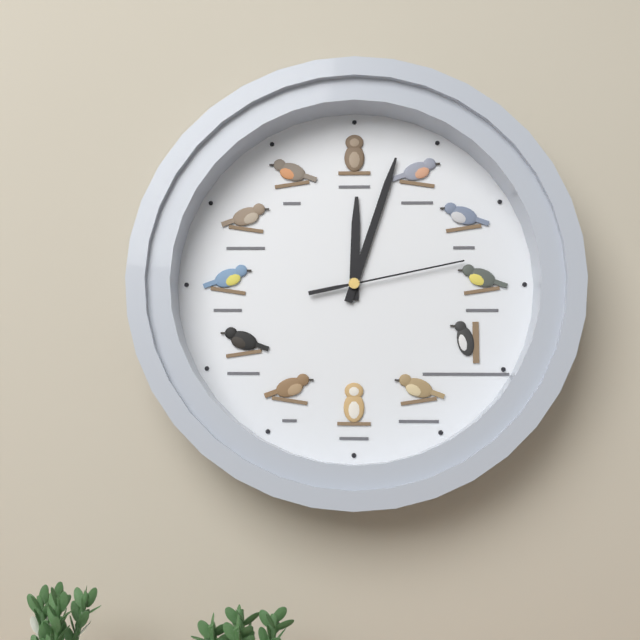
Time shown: **12:03:13**
